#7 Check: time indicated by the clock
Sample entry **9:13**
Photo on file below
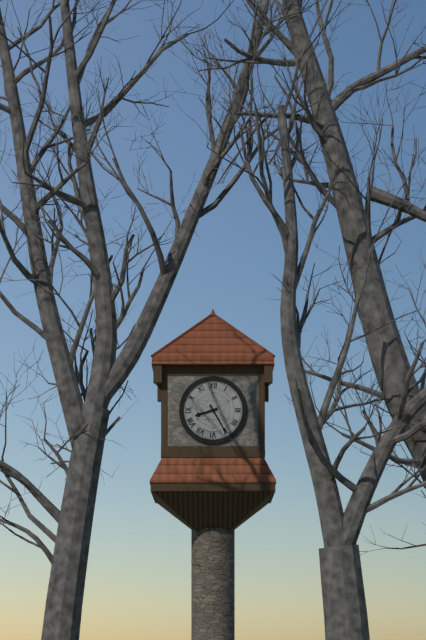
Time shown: **8:25**
